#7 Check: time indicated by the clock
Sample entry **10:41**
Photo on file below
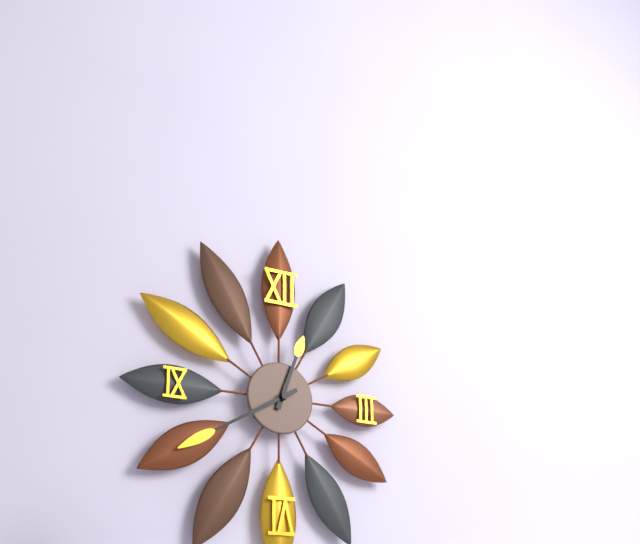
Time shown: **12:40**
